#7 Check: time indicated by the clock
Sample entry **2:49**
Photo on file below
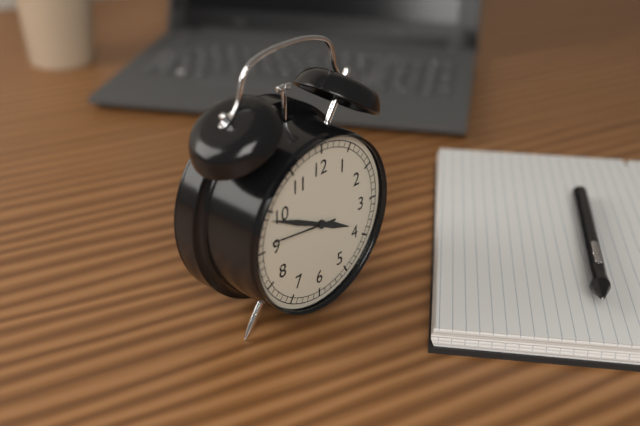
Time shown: **3:49**
